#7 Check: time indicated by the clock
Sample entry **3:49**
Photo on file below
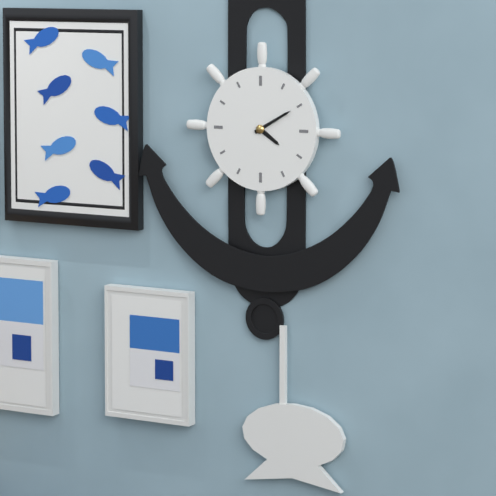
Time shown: **4:10**
